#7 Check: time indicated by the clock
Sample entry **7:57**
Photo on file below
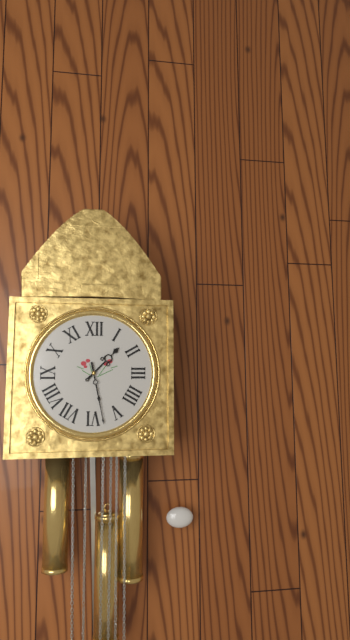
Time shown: **1:28**
